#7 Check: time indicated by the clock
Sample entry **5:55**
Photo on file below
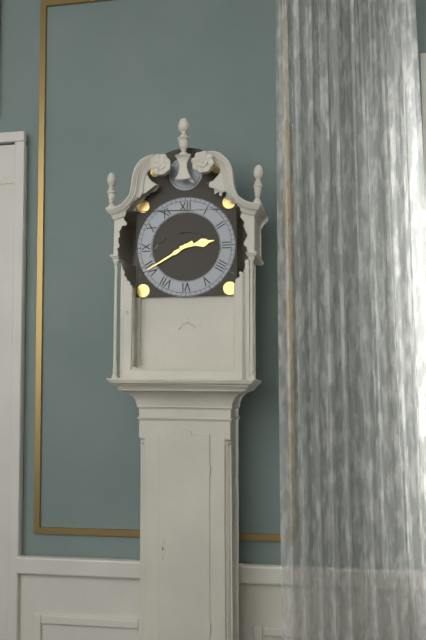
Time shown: **2:40**
